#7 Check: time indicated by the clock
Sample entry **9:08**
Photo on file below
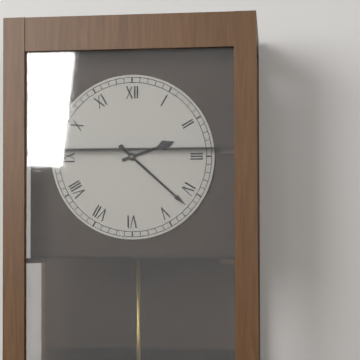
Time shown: **2:22**
